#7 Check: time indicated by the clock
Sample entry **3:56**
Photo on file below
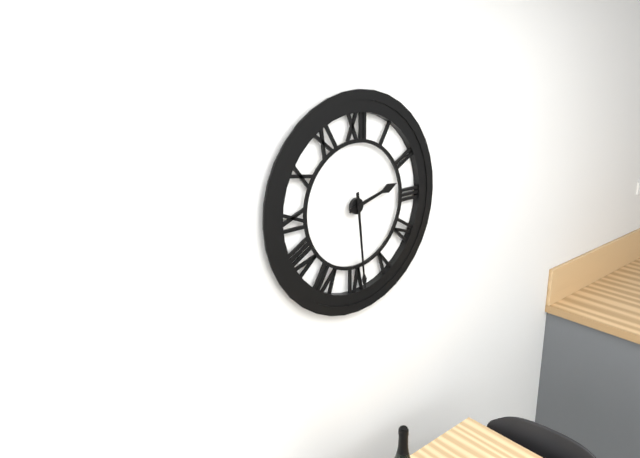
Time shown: **2:29**
